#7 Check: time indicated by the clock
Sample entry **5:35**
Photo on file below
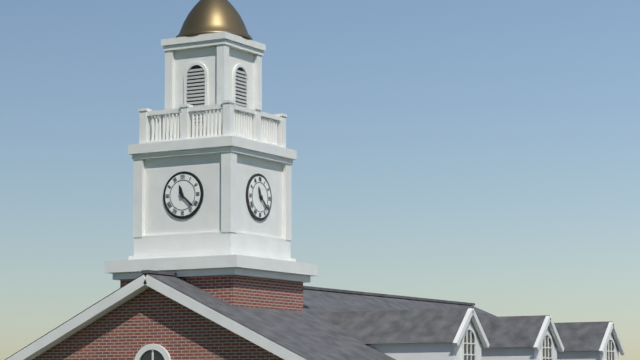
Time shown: **11:22**
